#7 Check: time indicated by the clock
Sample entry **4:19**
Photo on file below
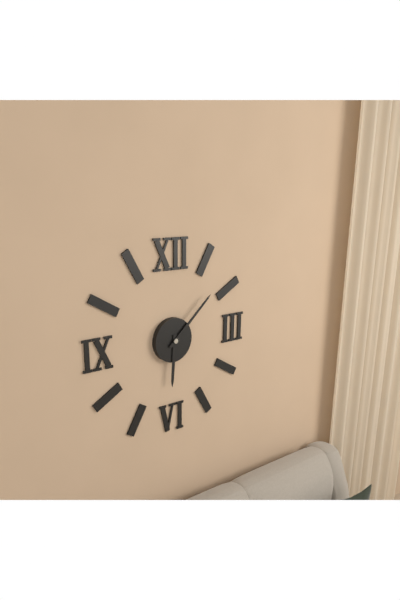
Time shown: **6:08**
